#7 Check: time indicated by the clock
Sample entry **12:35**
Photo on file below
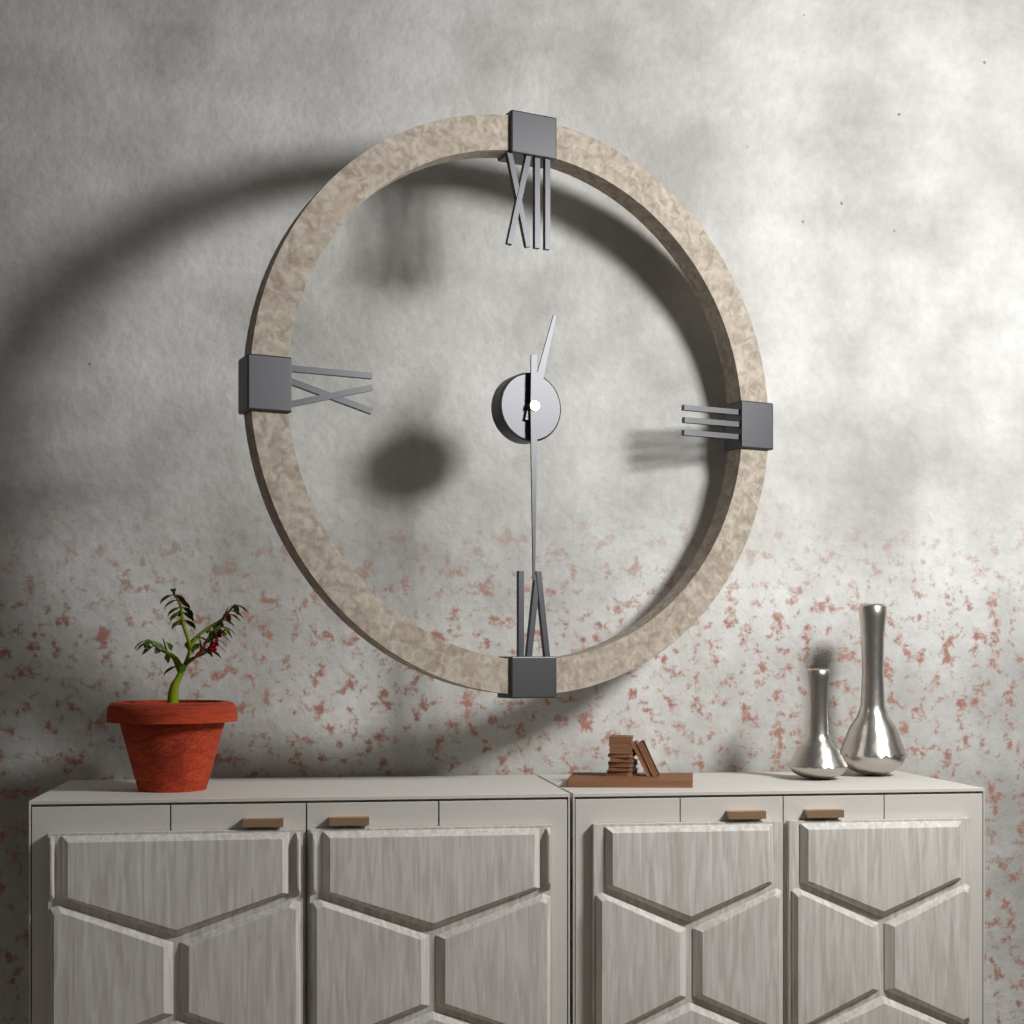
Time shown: **12:30**
